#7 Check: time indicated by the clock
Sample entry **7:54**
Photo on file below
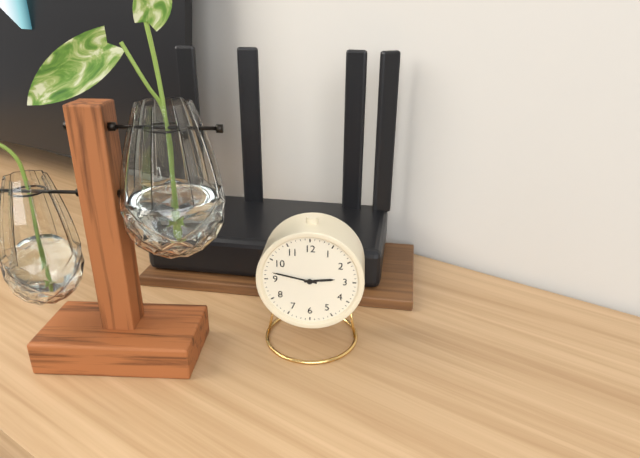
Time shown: **2:47**
